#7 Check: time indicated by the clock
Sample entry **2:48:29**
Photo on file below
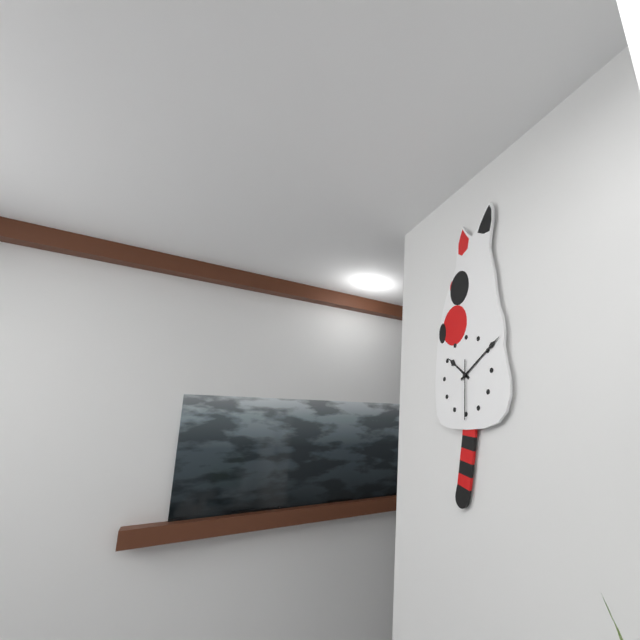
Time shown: **10:10:30**
